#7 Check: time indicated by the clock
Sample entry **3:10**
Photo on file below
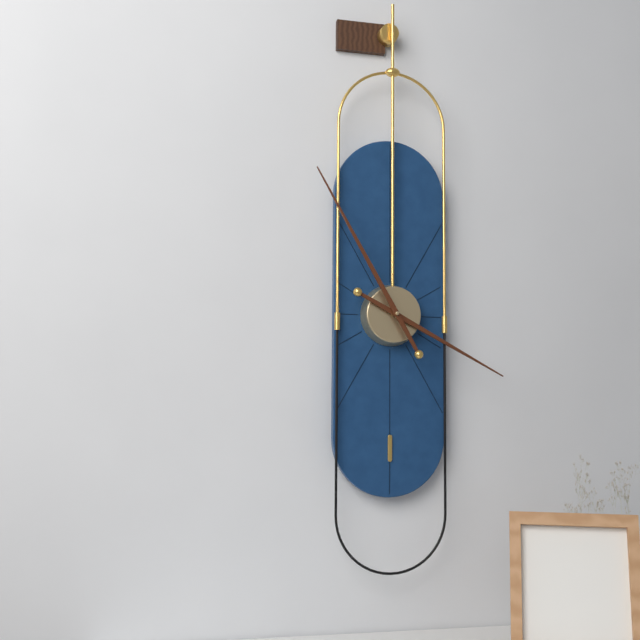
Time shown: **3:55**
